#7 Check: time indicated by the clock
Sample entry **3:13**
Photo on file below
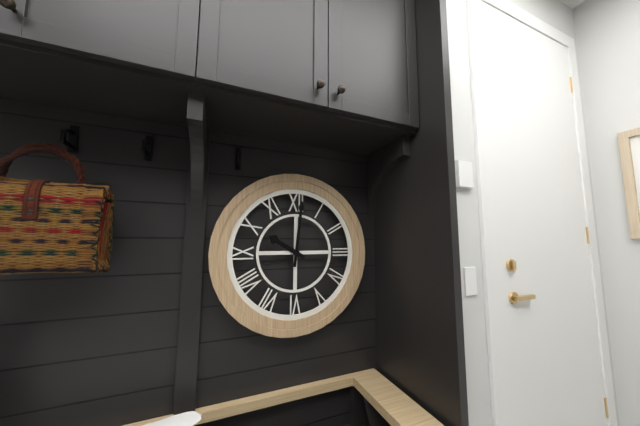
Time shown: **10:01**
